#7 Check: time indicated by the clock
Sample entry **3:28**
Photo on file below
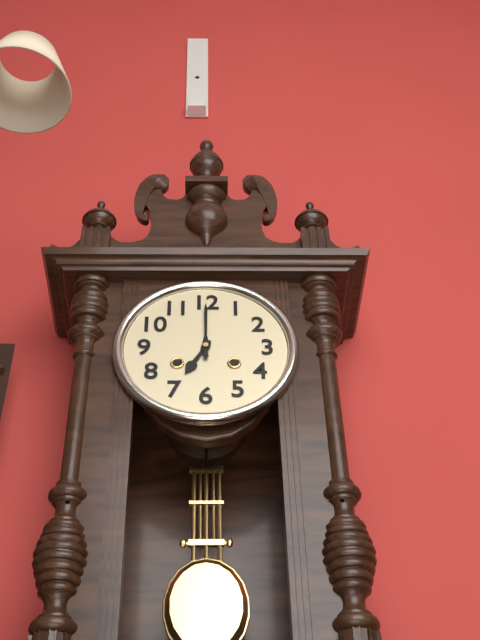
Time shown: **7:00**
